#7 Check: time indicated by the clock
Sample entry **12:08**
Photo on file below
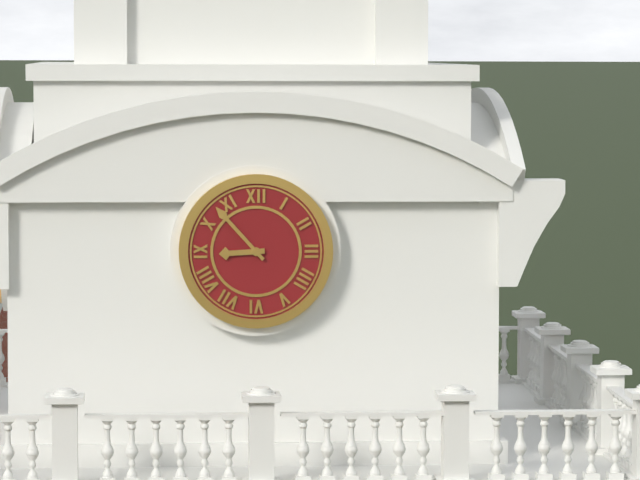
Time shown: **8:53**
